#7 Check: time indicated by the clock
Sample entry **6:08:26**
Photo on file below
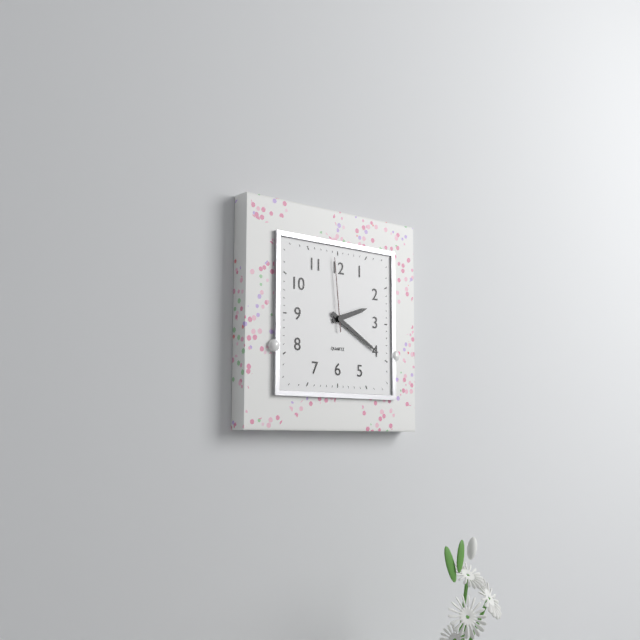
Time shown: **2:20:59**
